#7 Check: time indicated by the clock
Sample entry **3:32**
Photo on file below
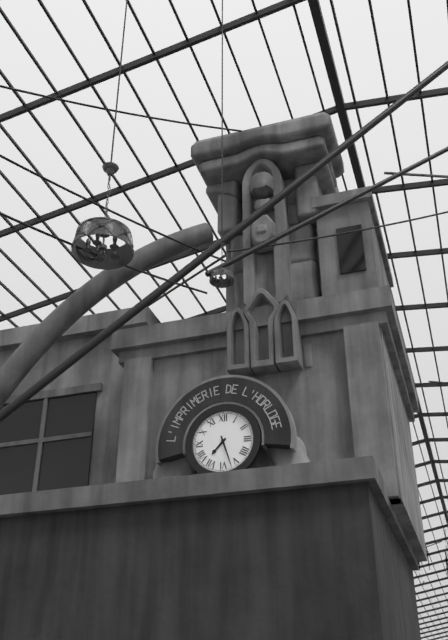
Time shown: **7:27**
